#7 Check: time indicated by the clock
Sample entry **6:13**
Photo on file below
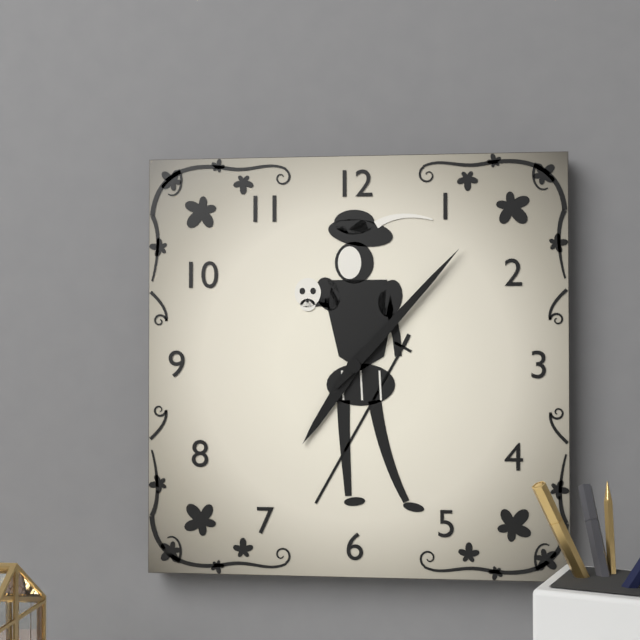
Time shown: **7:07**
